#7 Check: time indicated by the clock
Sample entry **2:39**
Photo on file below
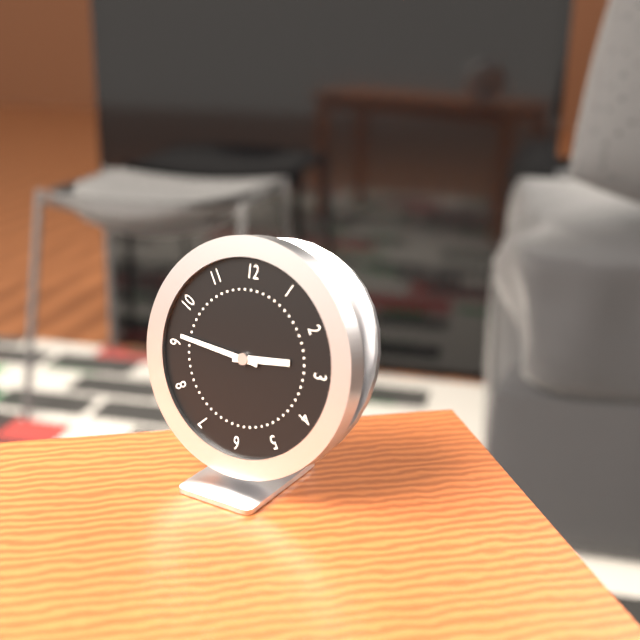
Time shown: **2:46**
